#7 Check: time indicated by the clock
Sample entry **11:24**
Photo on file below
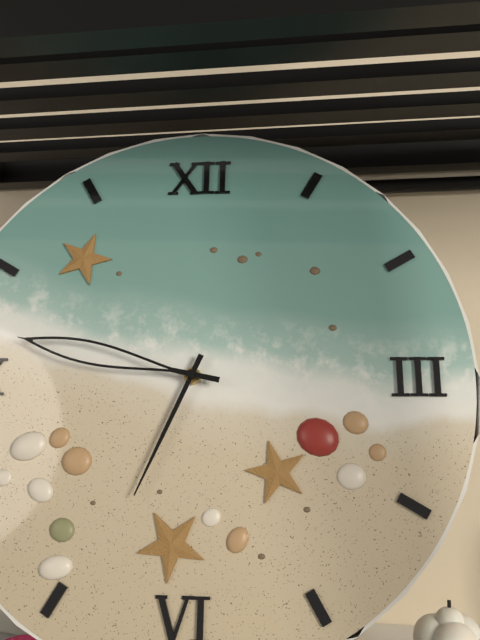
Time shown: **6:47**
